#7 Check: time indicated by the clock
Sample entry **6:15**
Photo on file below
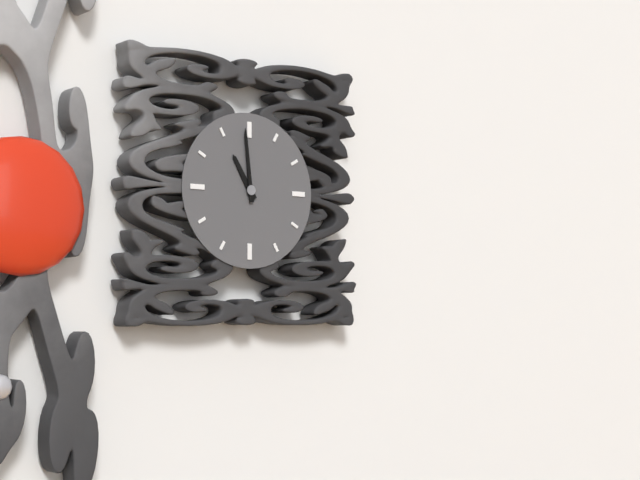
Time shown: **10:59**
